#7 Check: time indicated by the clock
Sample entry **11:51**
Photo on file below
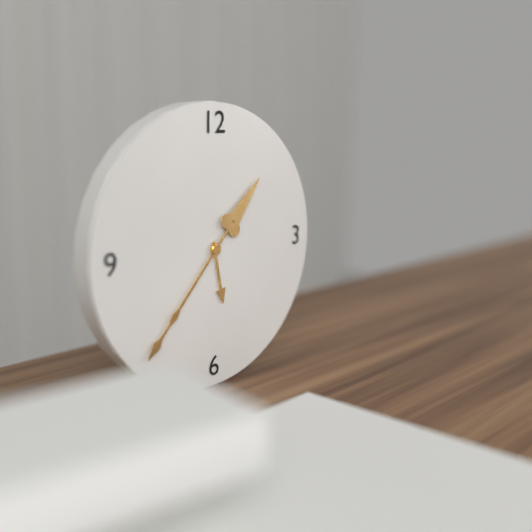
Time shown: **5:37**
